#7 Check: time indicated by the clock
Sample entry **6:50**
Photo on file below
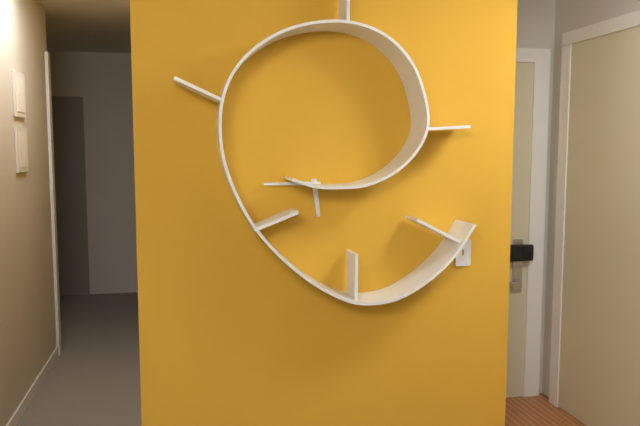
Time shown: **5:45**
